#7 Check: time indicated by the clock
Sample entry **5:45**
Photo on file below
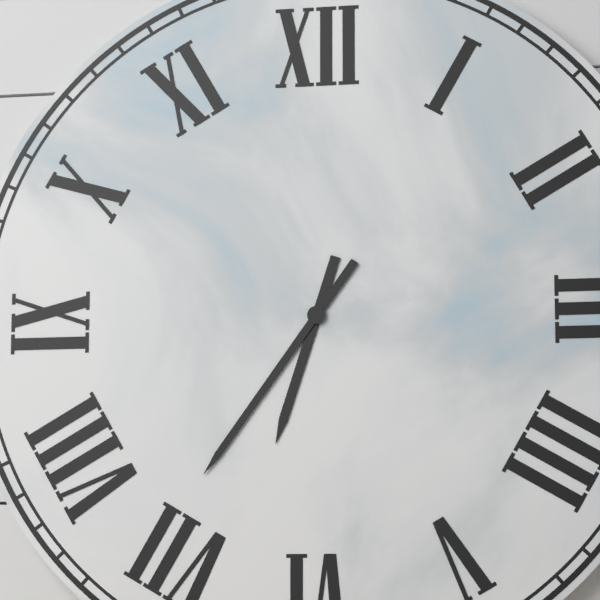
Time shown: **6:36**
